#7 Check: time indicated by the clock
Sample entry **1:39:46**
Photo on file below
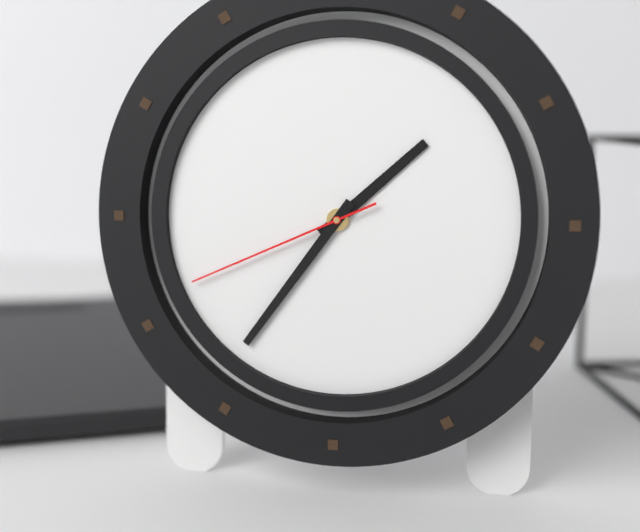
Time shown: **1:36:41**
